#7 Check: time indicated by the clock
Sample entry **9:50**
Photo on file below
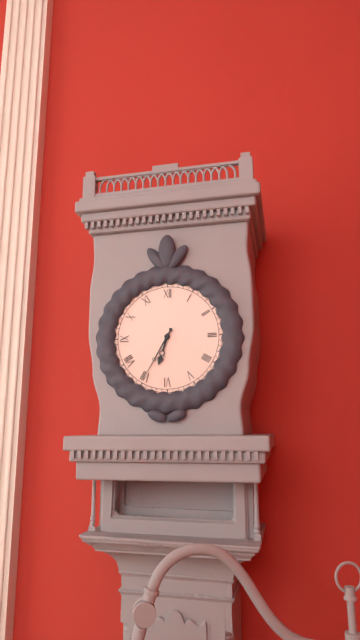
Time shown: **6:35**
